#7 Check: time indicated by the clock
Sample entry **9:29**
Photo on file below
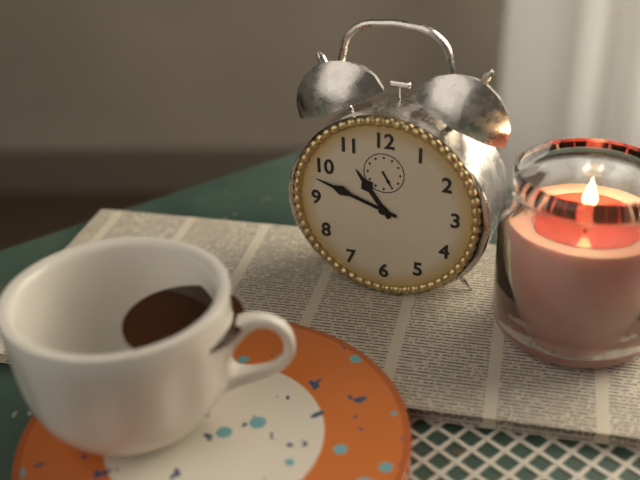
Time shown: **10:48**
